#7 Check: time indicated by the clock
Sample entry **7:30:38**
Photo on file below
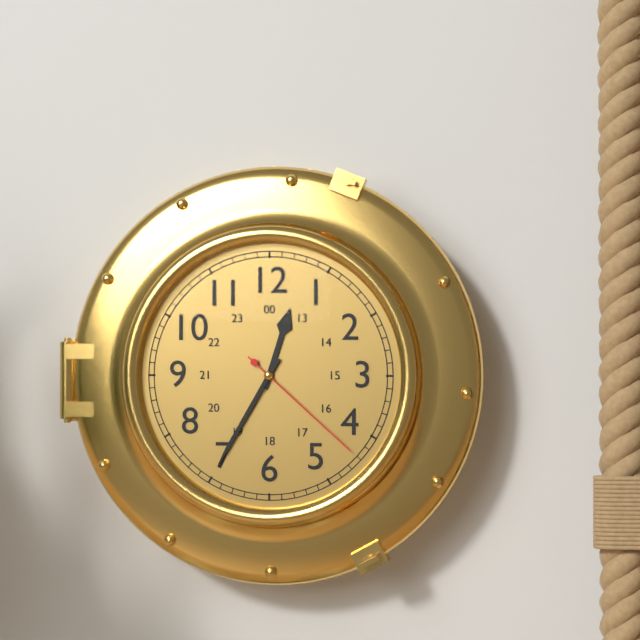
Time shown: **12:35:22**
